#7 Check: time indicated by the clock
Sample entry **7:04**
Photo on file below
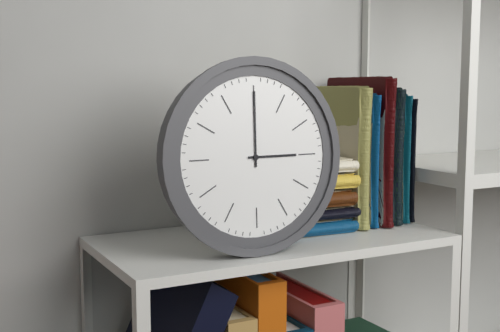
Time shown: **3:00**
